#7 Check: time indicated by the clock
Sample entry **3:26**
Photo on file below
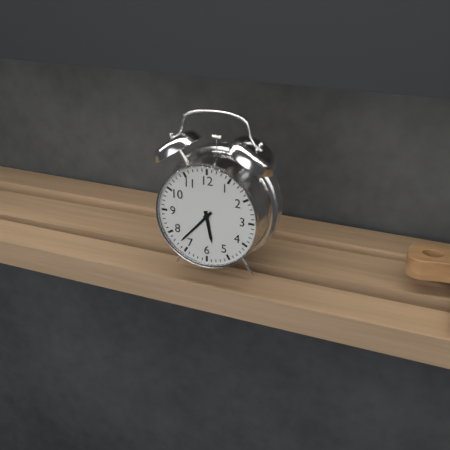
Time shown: **5:37**
